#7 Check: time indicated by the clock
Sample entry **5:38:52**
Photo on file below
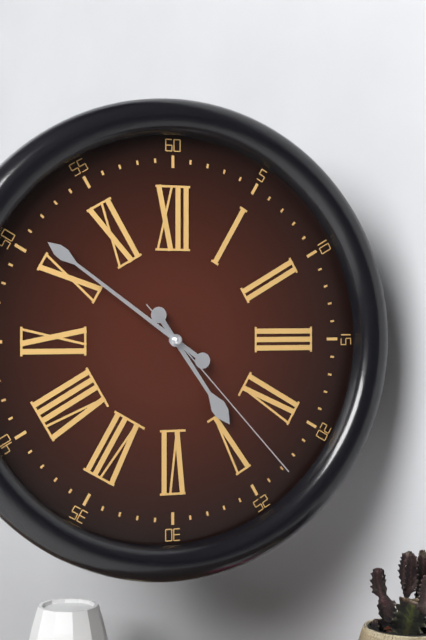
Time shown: **4:51:23**
